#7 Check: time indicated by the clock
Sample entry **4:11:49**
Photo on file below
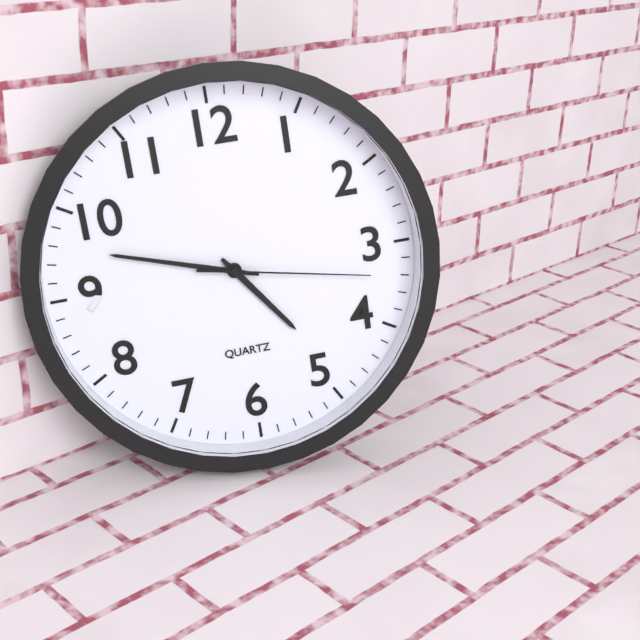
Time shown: **4:48:17**
